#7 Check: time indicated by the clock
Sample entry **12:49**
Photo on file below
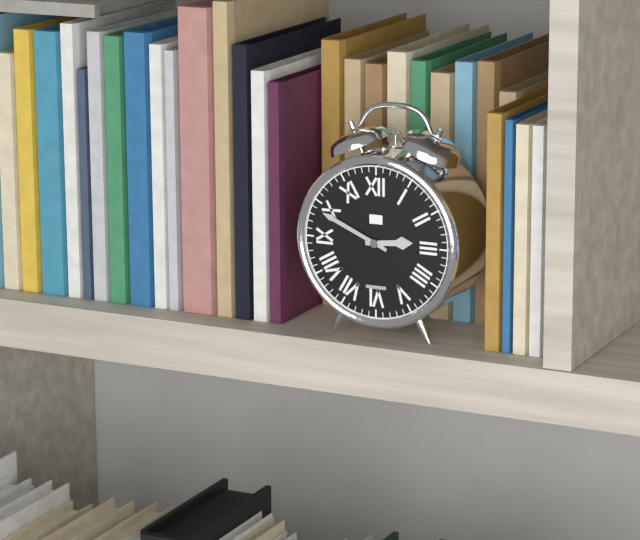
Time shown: **2:49**
